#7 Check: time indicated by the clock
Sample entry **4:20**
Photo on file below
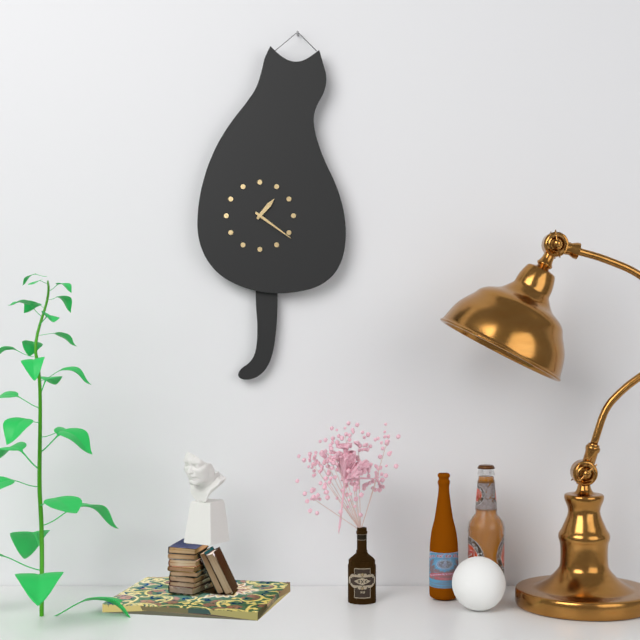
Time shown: **1:21**
